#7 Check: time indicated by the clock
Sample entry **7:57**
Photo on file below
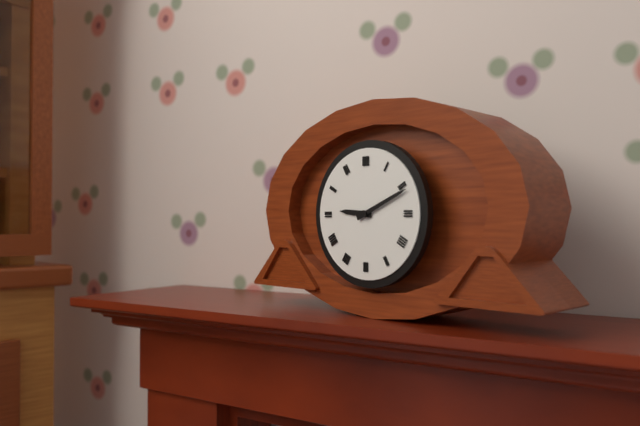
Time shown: **9:11**
